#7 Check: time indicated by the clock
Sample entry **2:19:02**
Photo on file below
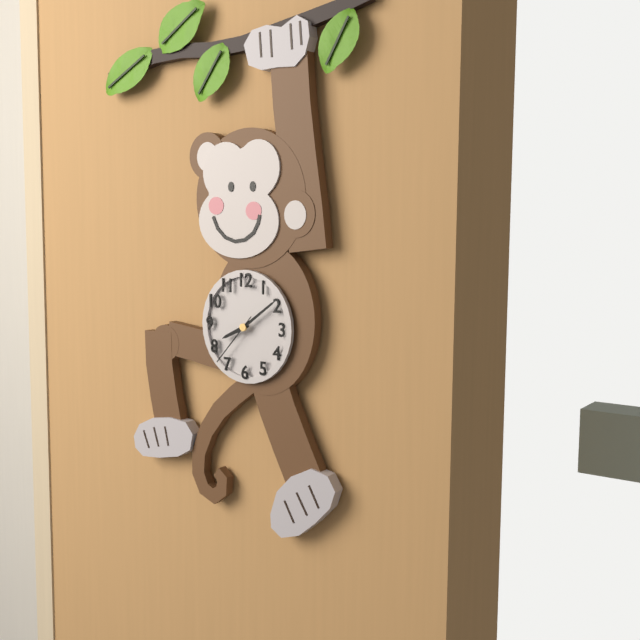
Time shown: **8:09:37**
